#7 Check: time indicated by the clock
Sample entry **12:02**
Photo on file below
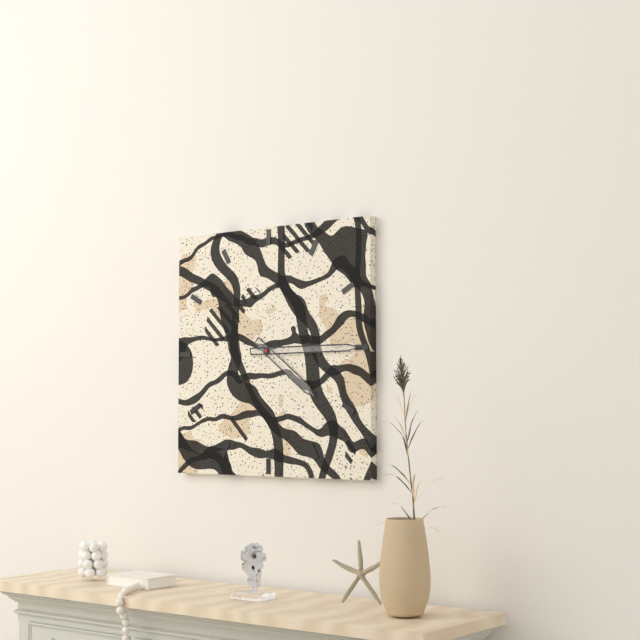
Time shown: **4:15**
